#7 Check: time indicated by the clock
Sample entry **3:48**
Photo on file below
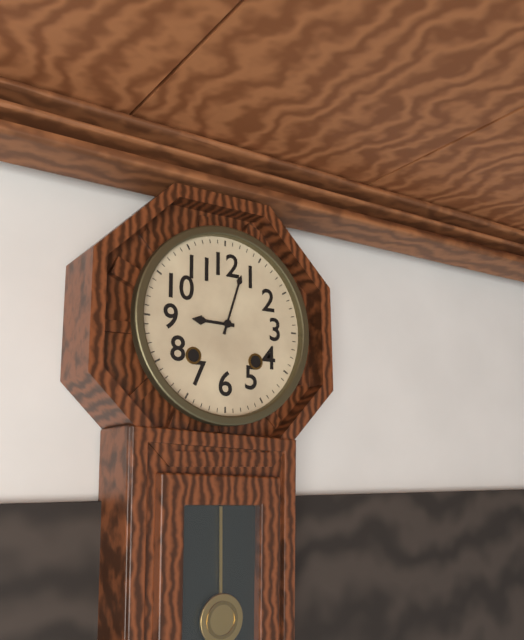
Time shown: **9:03**
